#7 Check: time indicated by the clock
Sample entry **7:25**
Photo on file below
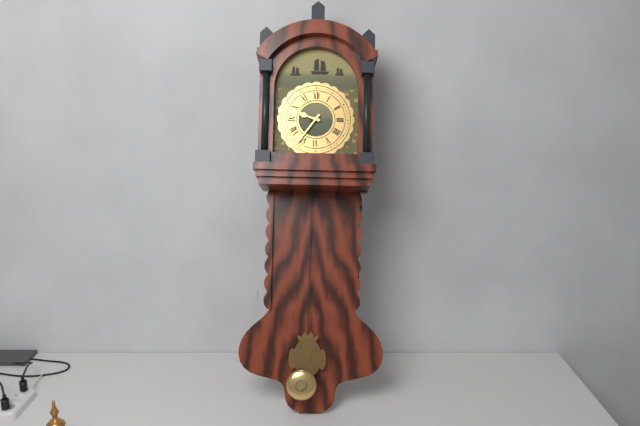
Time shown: **9:36**
